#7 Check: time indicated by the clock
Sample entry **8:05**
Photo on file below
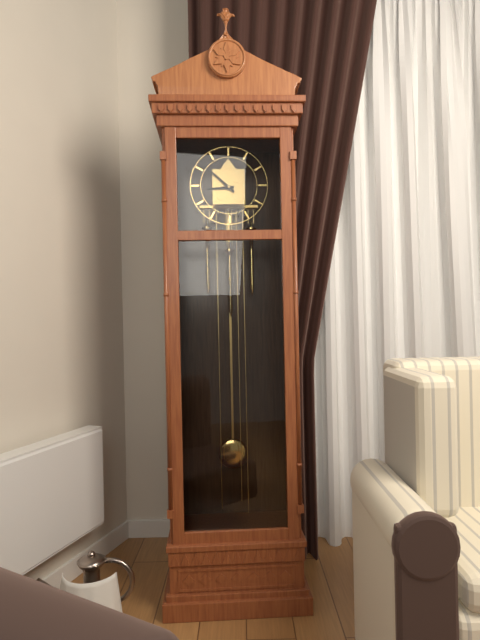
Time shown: **8:52**
